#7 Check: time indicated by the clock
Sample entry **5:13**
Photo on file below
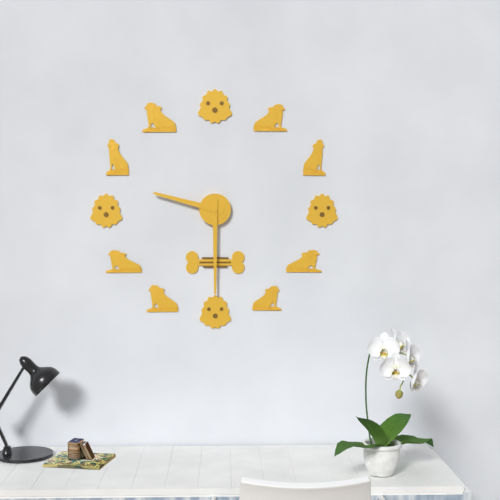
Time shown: **9:30**
